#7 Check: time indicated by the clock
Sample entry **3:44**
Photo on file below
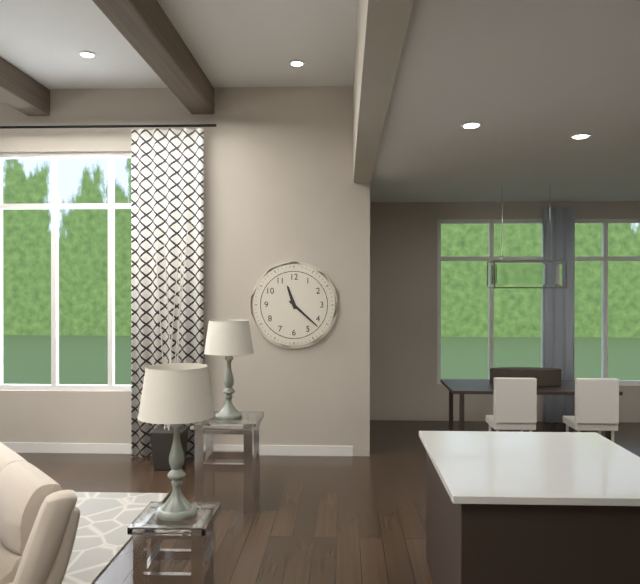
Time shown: **11:22**
